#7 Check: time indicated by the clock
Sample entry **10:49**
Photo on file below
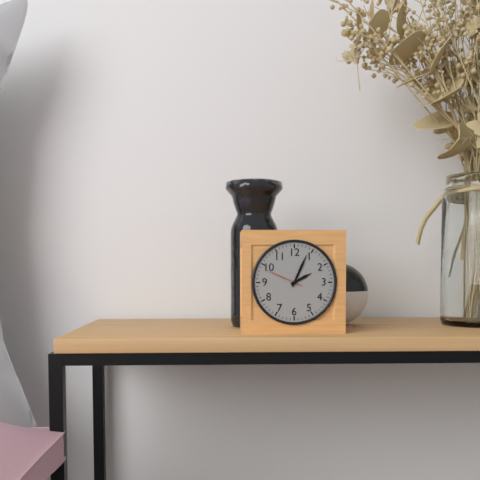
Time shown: **2:04**
